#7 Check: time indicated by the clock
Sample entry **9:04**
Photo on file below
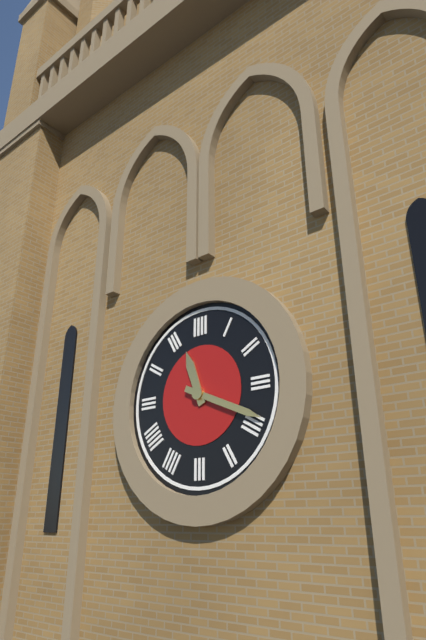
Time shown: **11:19**
